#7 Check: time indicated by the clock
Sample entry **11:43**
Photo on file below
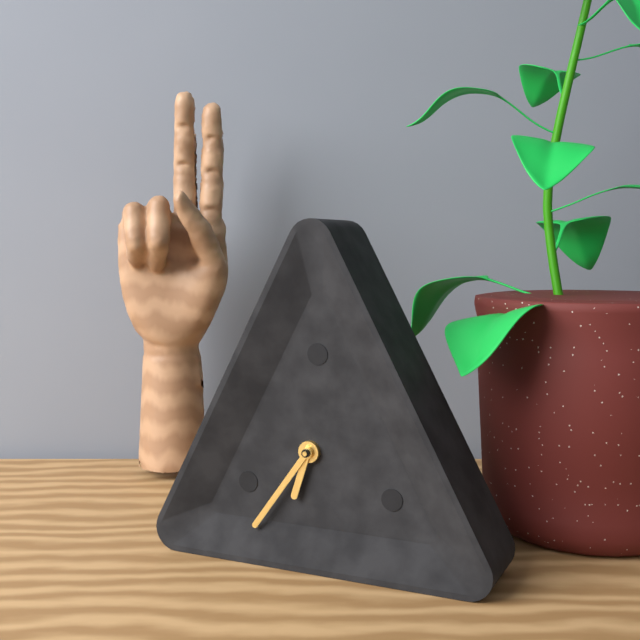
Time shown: **6:36**
